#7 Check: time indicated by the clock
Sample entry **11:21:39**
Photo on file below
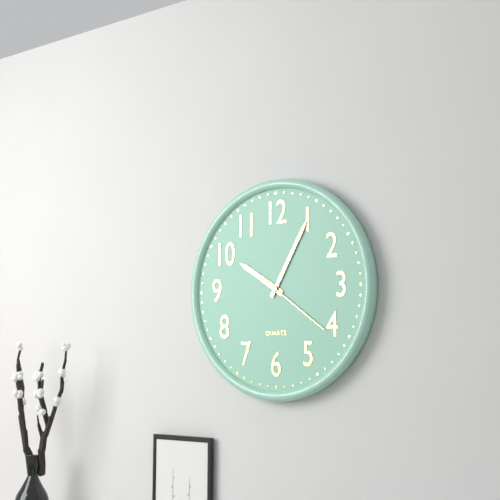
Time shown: **10:05:21**
